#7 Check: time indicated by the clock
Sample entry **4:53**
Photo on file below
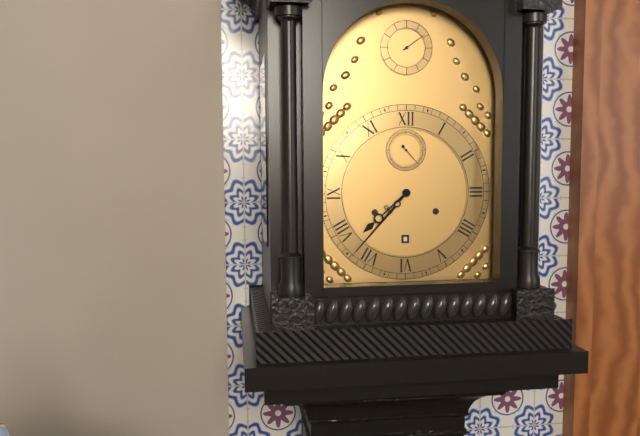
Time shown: **7:37**
